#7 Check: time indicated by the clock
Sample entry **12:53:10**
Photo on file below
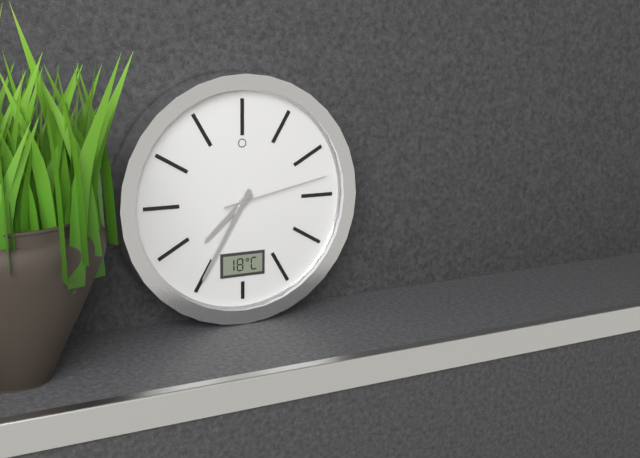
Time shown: **7:35:13**
